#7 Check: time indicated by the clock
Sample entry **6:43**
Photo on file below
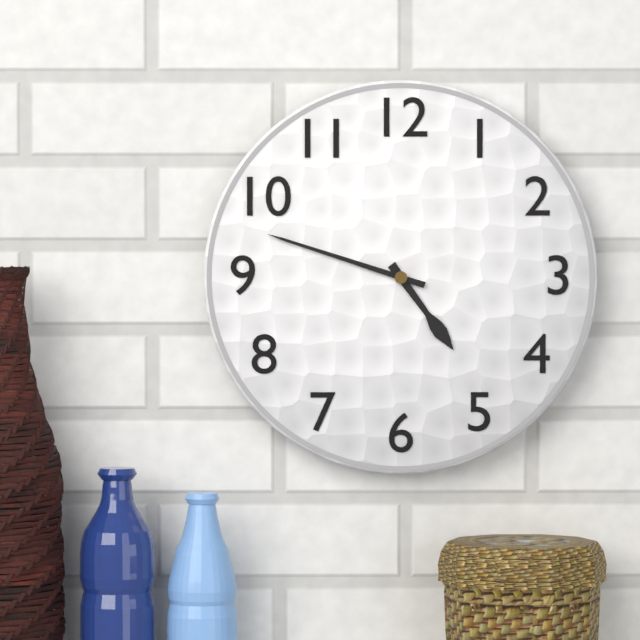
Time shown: **4:48**
